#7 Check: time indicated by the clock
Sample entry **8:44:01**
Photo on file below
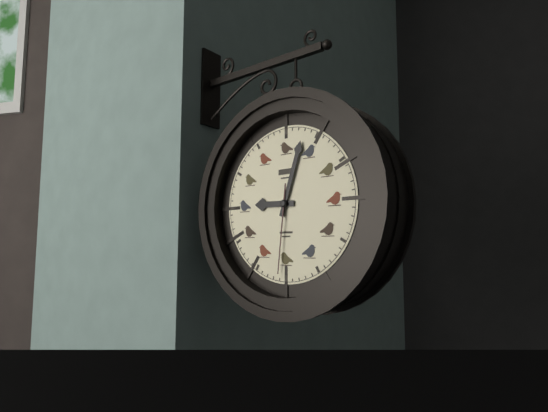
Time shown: **9:03:31**
